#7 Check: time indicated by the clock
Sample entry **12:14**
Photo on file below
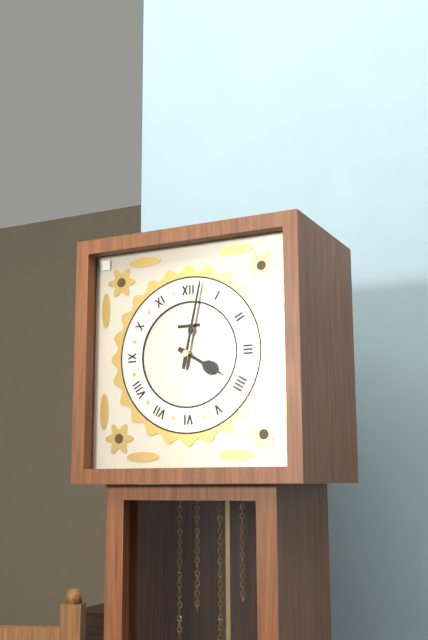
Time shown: **4:02**
